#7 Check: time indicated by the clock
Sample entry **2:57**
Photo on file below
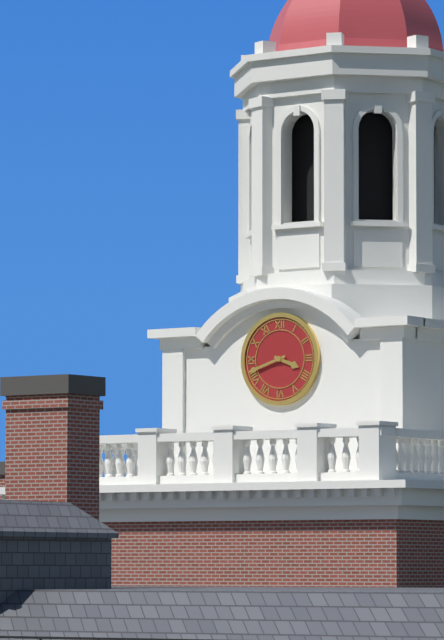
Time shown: **3:42**
